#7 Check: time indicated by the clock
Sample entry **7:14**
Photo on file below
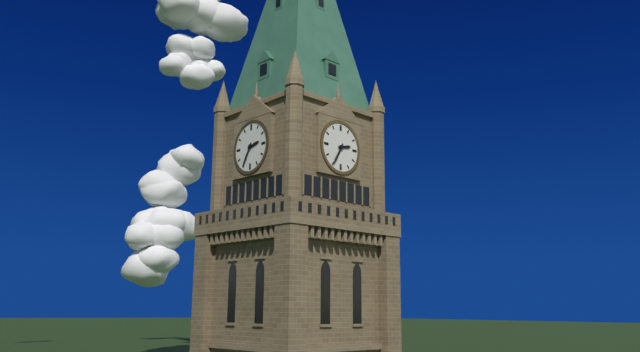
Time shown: **2:35**
